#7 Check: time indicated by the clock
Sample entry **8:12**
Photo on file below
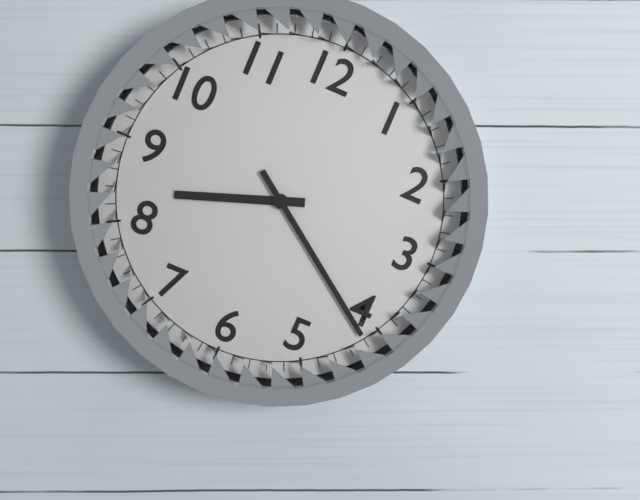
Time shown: **8:21**
